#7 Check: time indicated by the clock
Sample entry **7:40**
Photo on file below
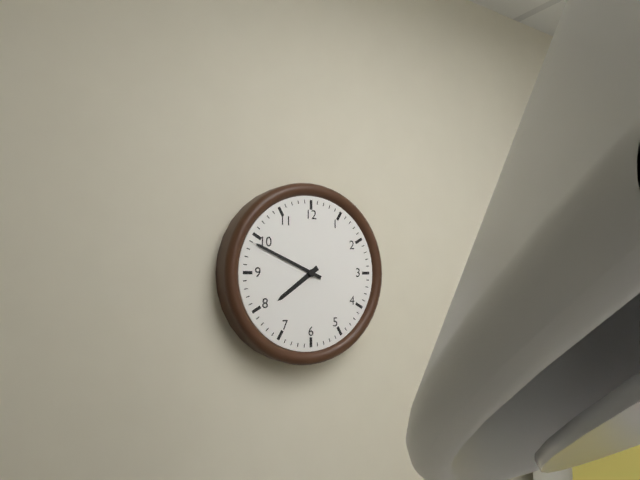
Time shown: **7:49**
